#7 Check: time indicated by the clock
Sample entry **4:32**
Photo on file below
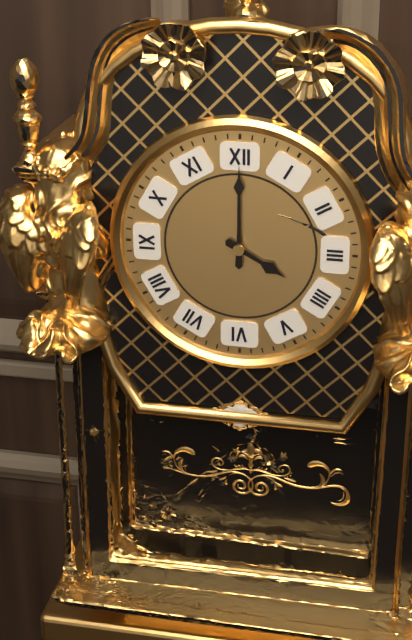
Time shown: **4:00**
